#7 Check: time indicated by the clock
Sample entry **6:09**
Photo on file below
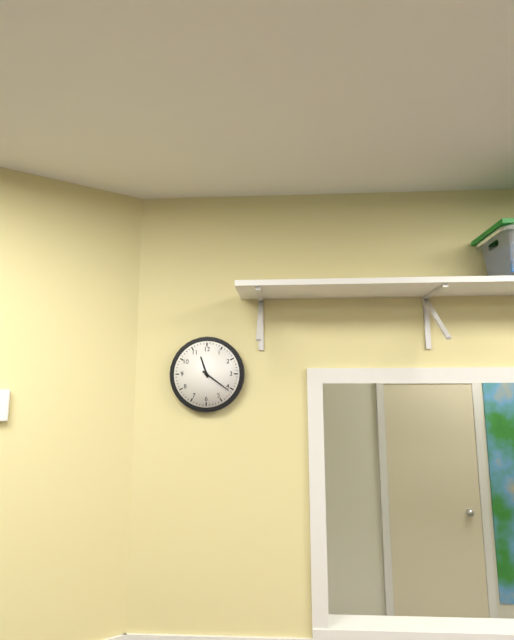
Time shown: **11:21**
